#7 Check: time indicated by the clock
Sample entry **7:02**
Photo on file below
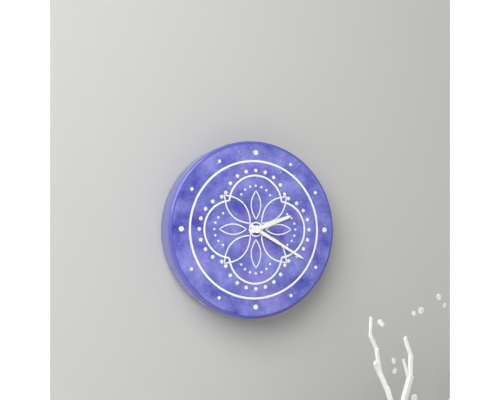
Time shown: **2:20**
